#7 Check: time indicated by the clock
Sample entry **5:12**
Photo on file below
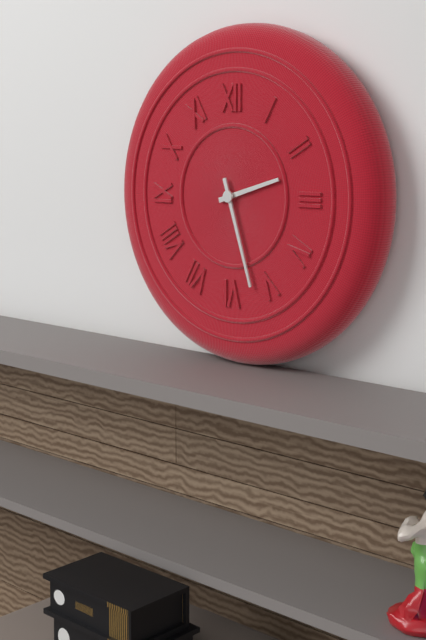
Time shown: **2:27**
